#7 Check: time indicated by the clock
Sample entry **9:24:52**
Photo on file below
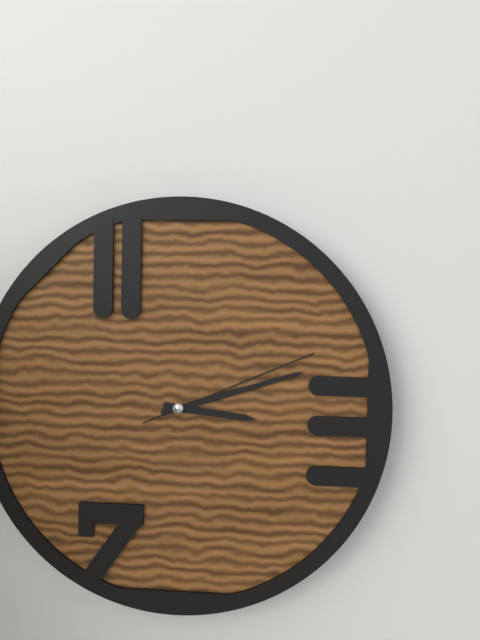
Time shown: **3:12:11**
